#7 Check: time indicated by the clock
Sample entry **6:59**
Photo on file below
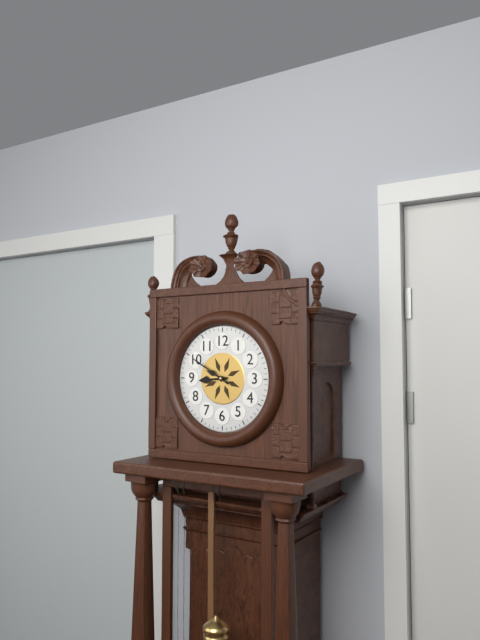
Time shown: **8:50**
